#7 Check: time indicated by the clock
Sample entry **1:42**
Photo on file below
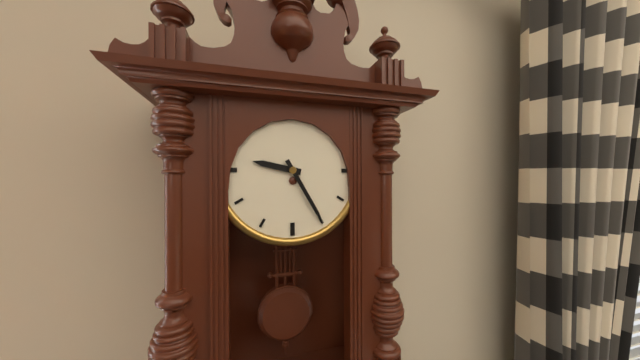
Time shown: **9:25**
